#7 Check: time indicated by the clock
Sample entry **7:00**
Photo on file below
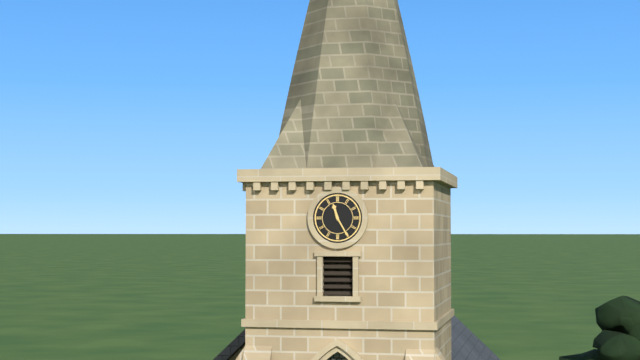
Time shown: **11:25**
